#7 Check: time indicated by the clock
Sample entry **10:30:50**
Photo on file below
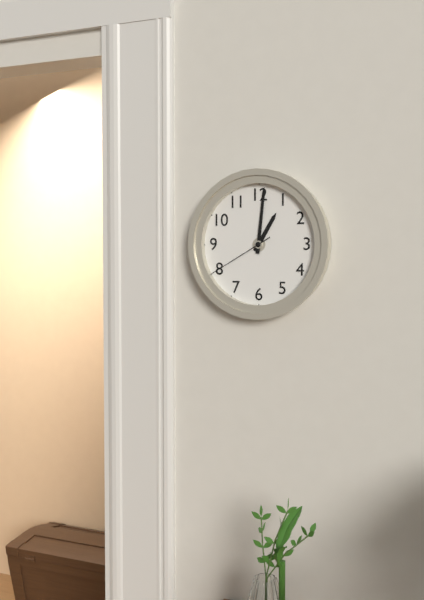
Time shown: **1:01:40**
